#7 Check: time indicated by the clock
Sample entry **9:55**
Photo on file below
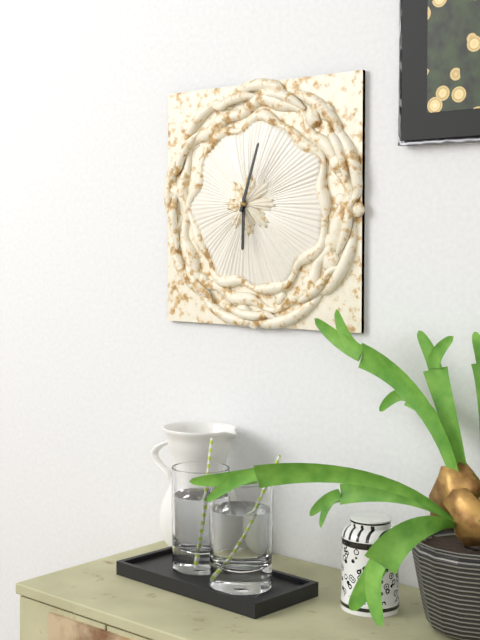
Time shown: **6:03**
